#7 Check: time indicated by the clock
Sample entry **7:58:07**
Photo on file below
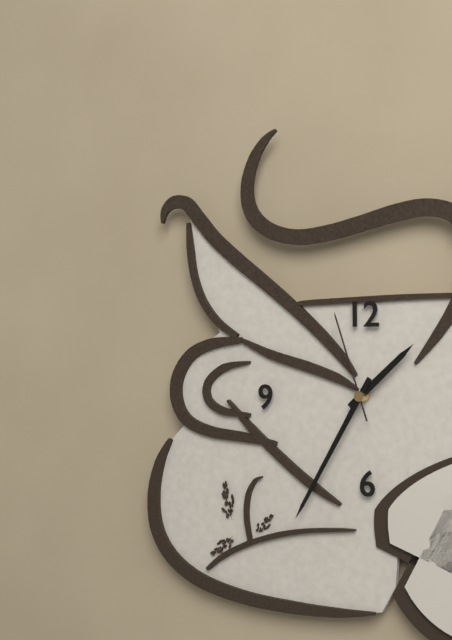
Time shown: **1:35:57**
